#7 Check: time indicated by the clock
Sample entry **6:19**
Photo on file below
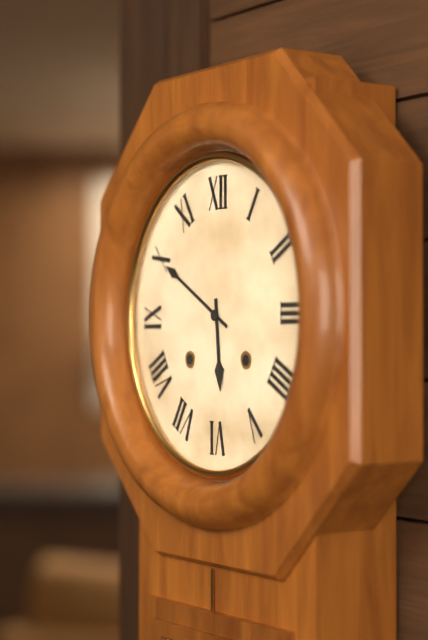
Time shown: **5:50**
